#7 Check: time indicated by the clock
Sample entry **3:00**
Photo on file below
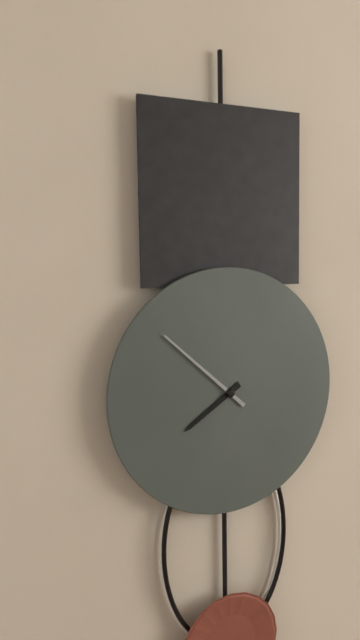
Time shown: **7:52**
